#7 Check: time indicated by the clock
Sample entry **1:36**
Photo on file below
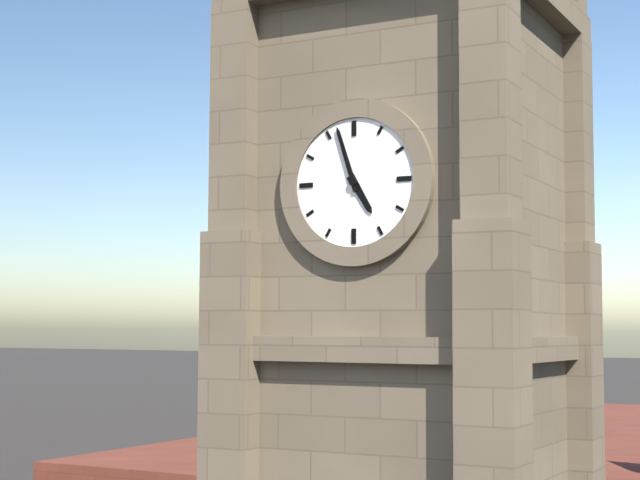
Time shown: **4:57**
